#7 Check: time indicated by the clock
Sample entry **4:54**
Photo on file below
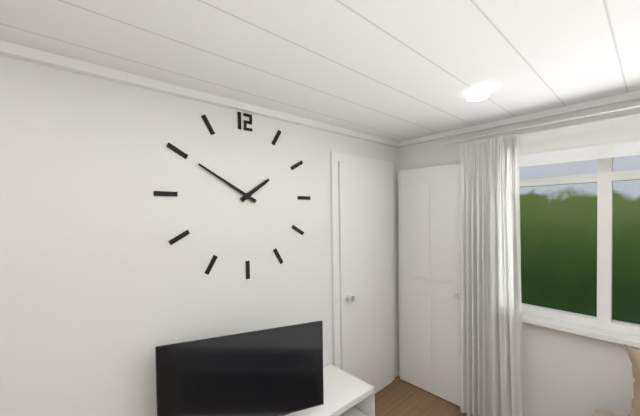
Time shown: **1:50**
